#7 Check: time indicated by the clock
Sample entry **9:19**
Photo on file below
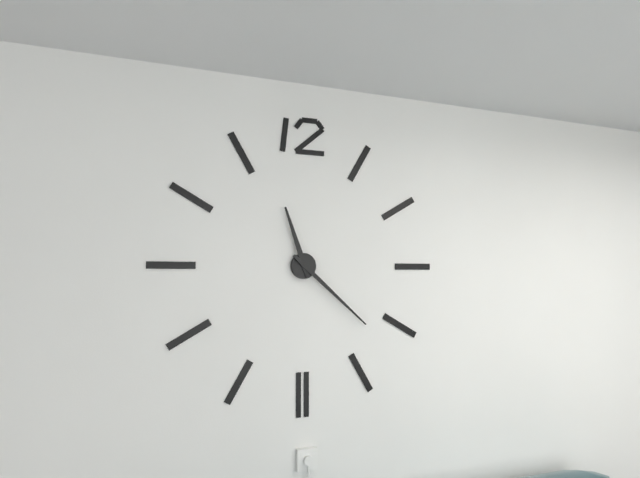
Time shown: **11:22**
